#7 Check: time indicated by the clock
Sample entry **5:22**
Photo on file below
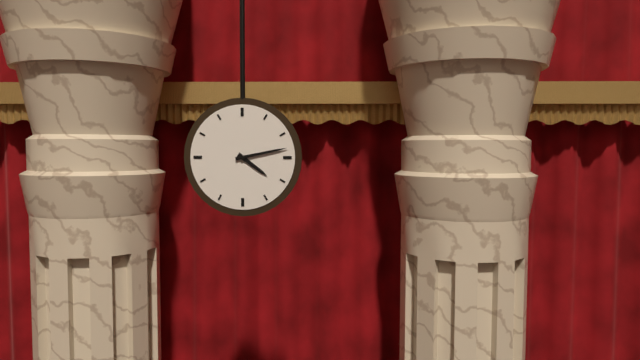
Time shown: **4:13**
